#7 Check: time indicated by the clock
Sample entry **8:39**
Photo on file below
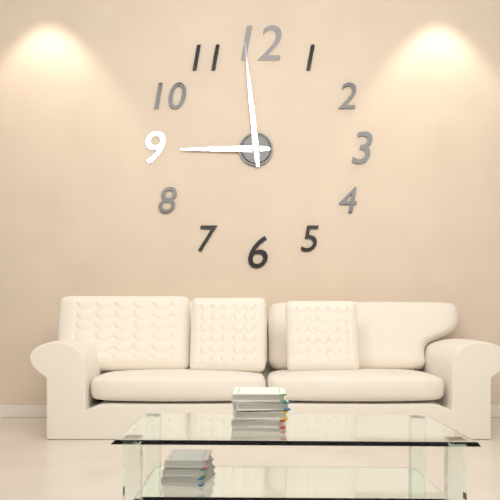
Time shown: **8:59**
